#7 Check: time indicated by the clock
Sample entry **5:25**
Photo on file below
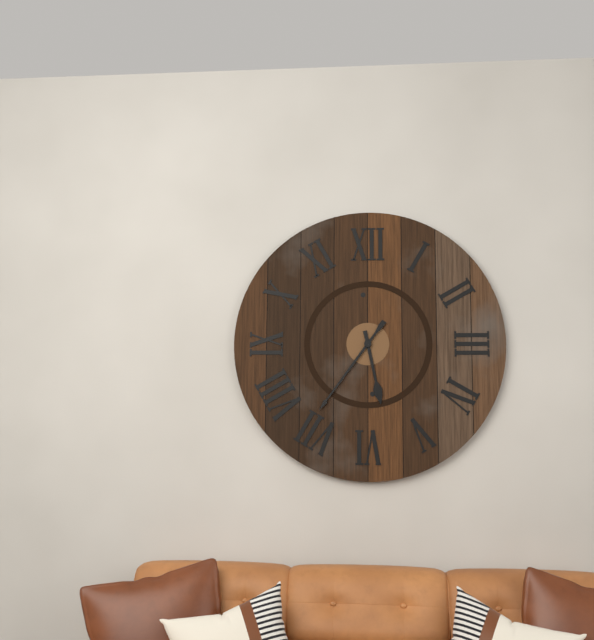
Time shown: **5:36**
